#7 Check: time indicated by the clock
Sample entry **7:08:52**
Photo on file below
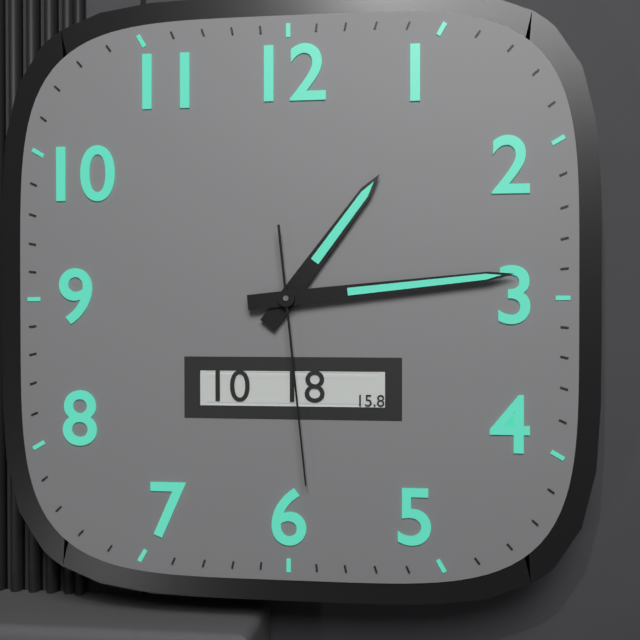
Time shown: **1:14:29**
